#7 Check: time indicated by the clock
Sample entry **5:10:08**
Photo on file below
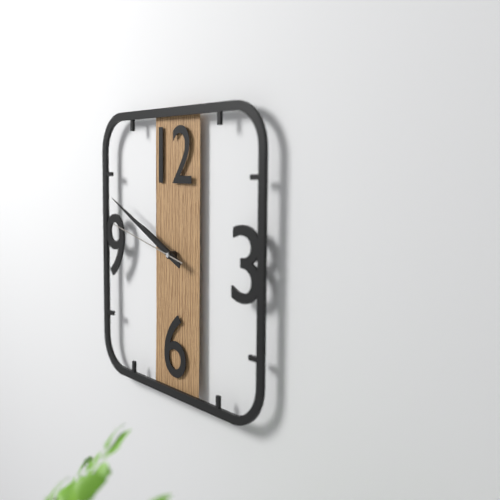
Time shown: **9:49:47**
